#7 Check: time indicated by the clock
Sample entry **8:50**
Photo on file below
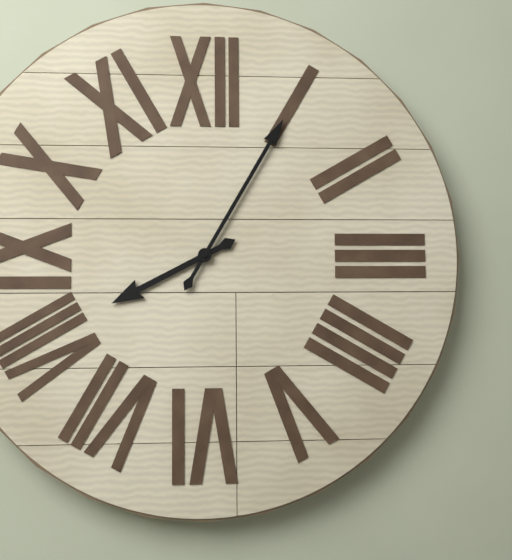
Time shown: **8:05**
